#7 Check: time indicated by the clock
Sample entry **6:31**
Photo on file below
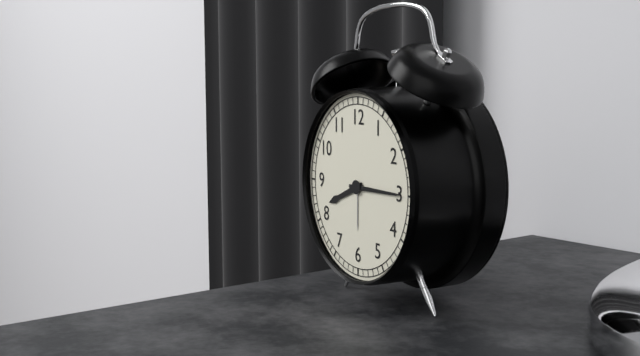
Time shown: **8:15**
